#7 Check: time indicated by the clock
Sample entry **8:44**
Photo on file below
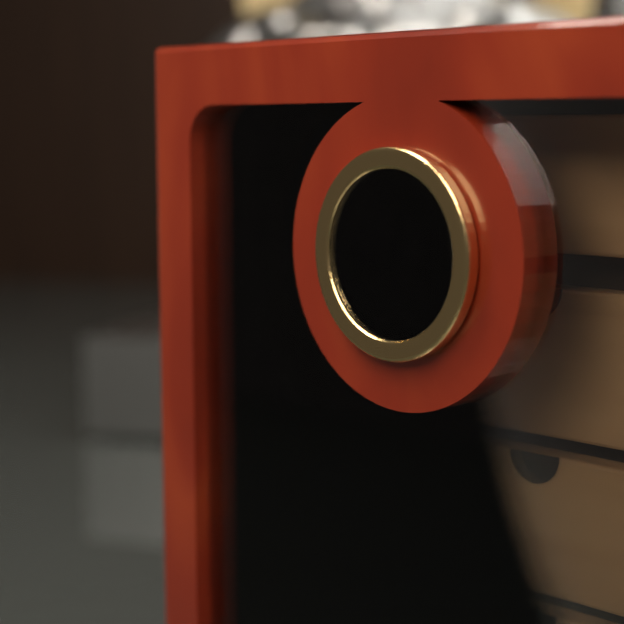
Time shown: **5:30**
